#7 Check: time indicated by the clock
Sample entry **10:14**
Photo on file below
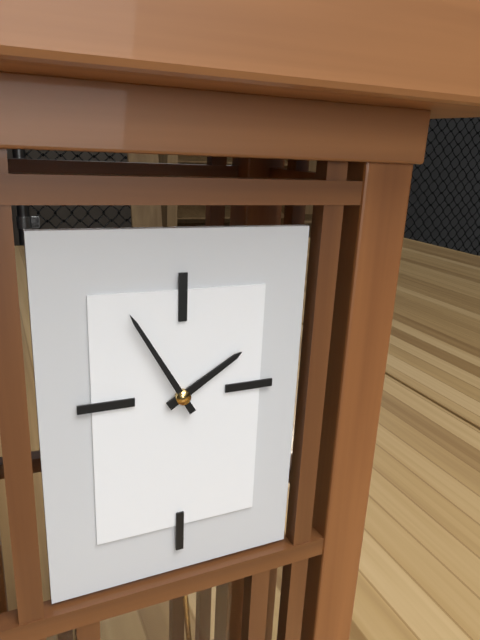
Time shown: **1:55**
